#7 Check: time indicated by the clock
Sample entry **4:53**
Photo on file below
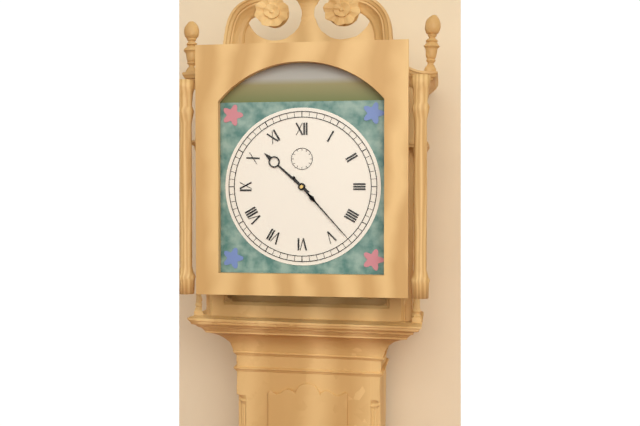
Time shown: **10:23**
